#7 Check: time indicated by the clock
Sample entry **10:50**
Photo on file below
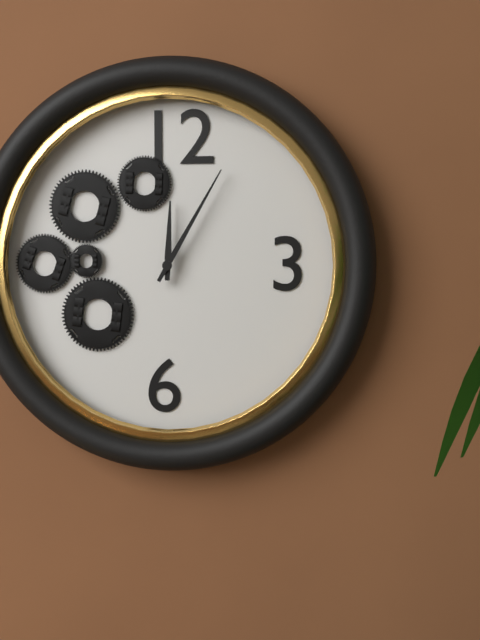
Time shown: **12:05**
